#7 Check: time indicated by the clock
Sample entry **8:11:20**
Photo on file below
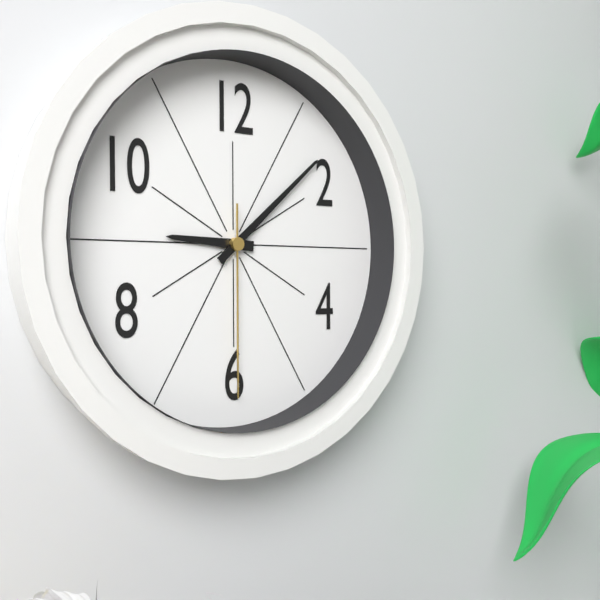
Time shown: **9:08:30**
